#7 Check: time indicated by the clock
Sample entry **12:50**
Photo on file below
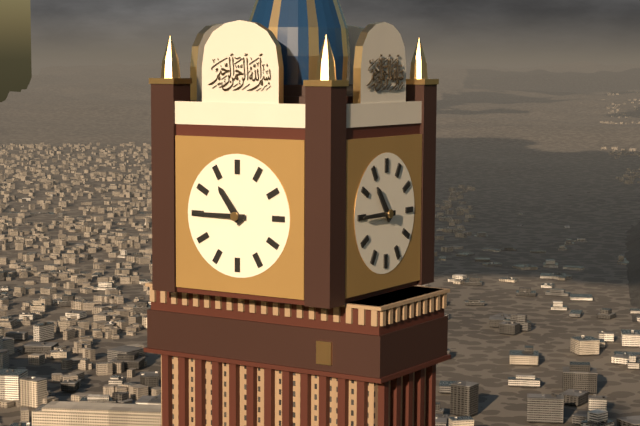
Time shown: **10:45**
